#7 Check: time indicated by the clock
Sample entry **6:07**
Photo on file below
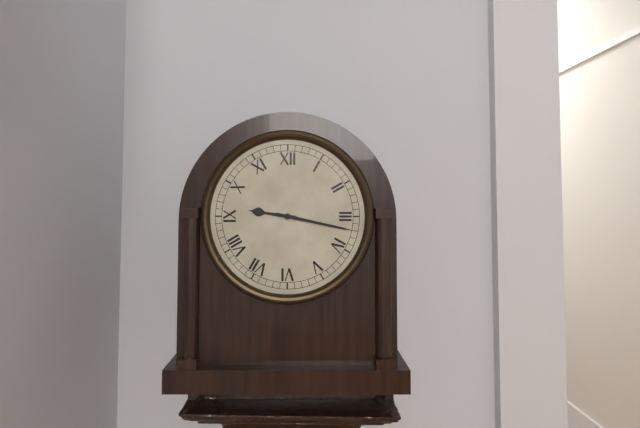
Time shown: **9:17**
